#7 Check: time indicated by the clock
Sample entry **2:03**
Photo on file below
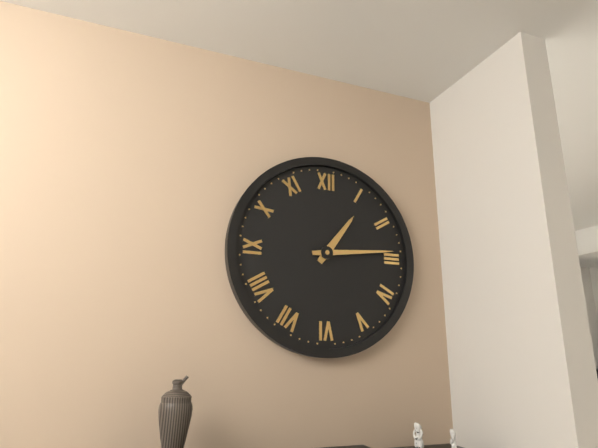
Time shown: **1:14**
